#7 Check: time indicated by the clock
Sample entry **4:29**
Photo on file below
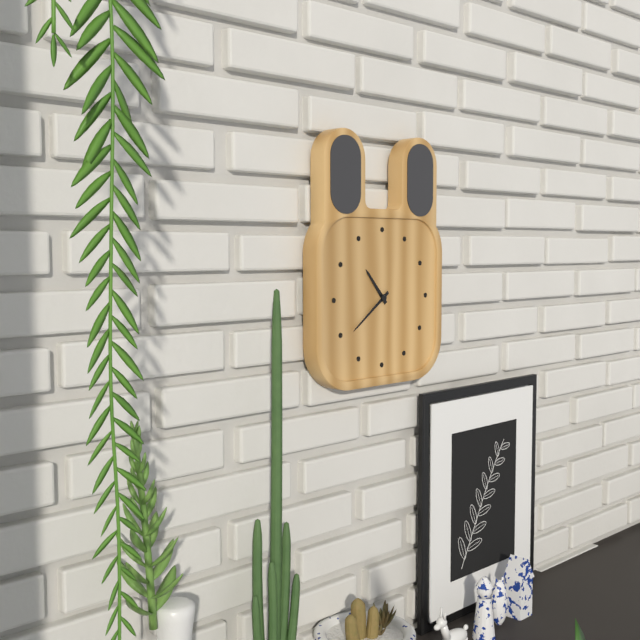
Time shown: **10:39**
